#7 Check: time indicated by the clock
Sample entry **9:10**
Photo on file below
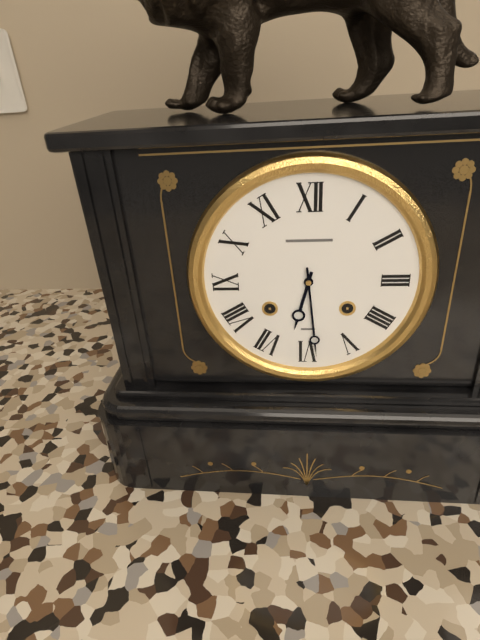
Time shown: **6:29**
